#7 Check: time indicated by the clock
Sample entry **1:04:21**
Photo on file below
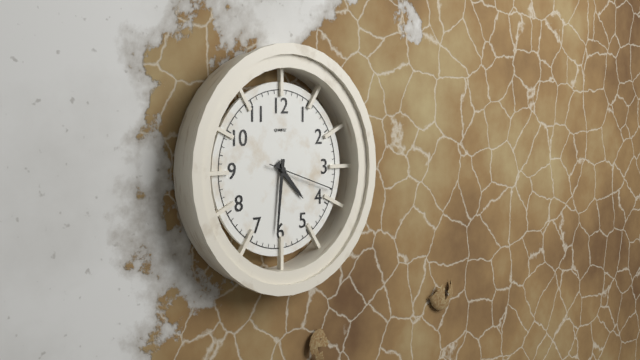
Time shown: **4:31:18**
